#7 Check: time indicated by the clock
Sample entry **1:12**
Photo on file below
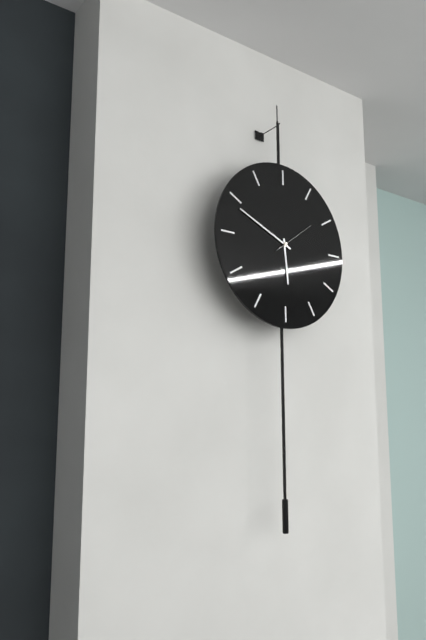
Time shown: **5:49**
